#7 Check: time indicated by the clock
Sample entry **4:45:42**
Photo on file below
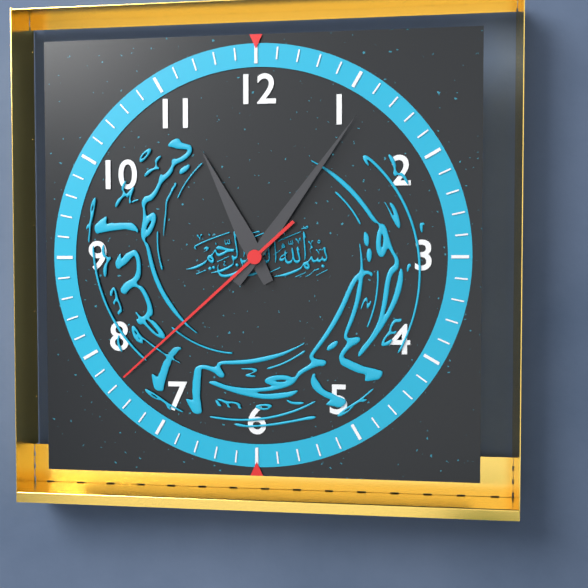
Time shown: **11:06:38**
